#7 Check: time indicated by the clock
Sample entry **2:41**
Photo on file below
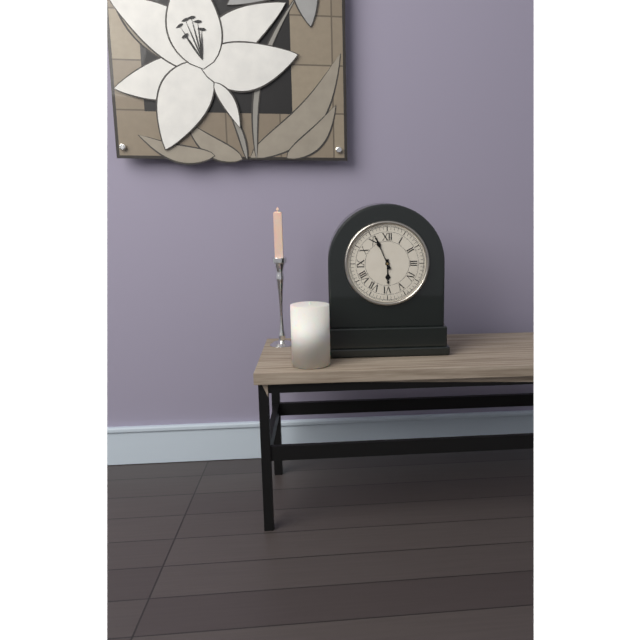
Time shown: **5:56**
